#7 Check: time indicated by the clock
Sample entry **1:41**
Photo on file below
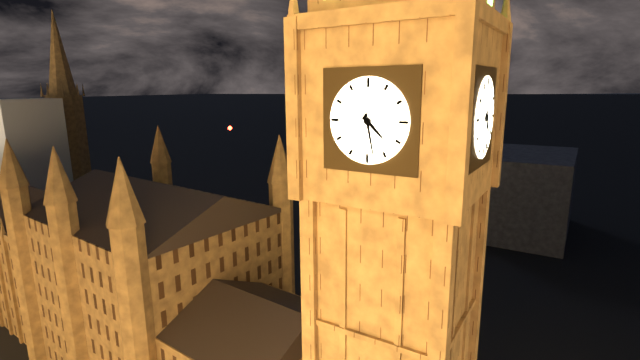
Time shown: **4:28**
